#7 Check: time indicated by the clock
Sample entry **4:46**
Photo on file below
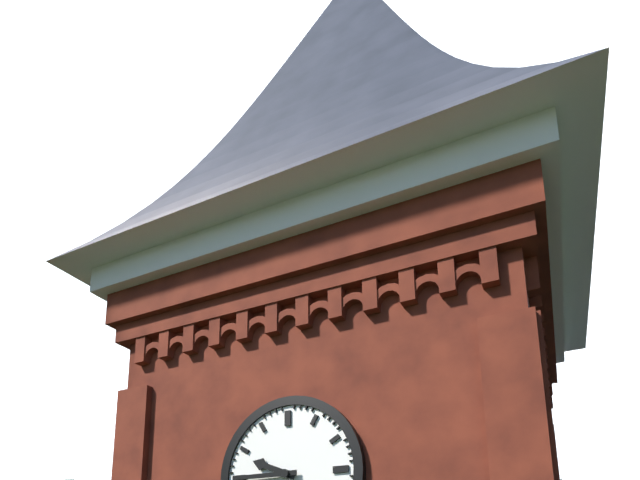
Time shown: **9:45**
